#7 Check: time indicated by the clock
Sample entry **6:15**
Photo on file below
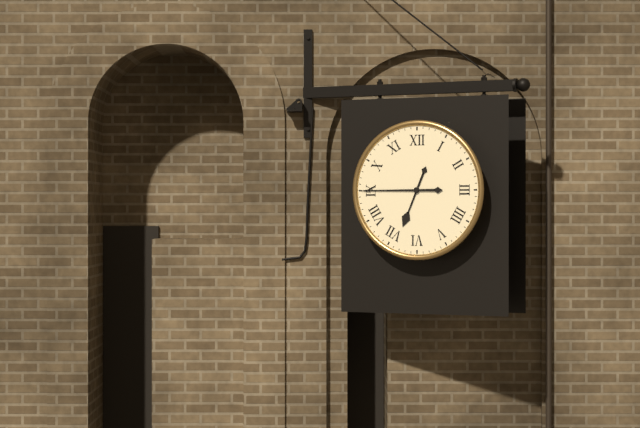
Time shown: **6:45**
